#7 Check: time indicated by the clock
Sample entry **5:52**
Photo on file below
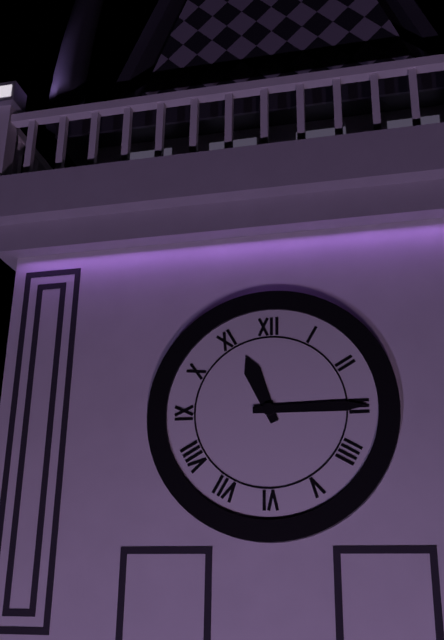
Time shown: **11:15**
